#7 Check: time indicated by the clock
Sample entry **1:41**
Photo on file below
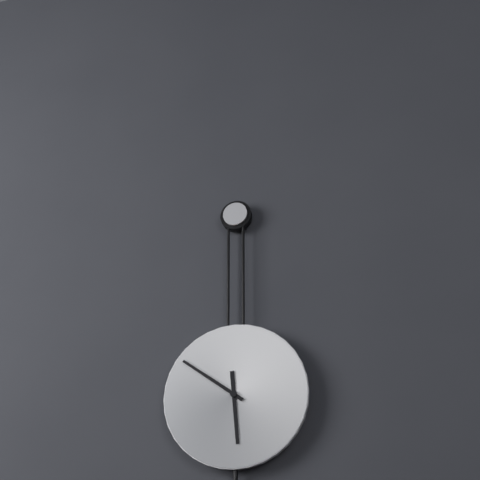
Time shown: **5:51**
